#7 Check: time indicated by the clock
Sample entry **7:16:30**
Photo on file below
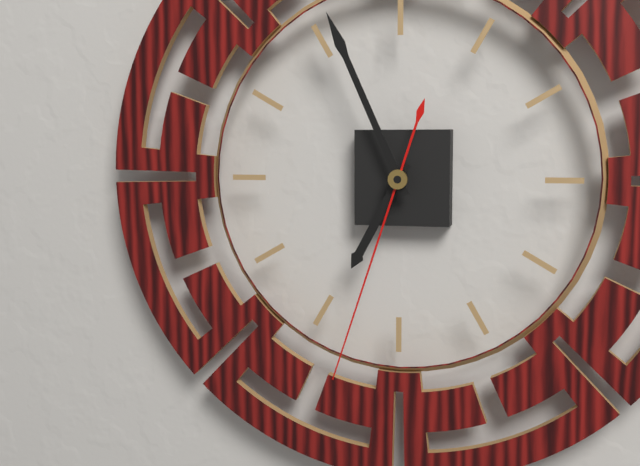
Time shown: **6:56:33**
